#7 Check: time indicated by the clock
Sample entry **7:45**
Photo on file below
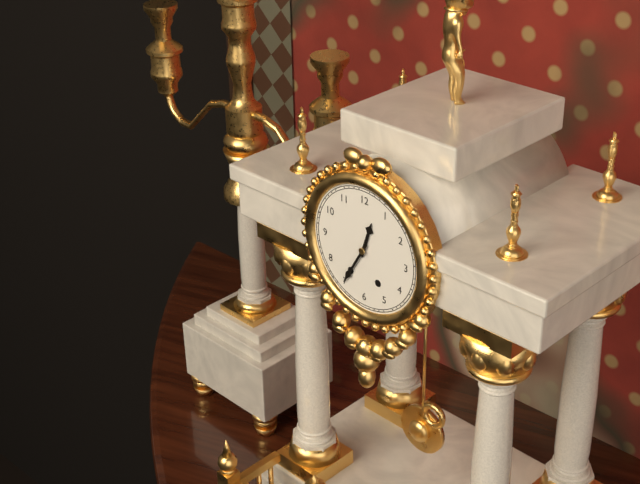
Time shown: **12:35**
